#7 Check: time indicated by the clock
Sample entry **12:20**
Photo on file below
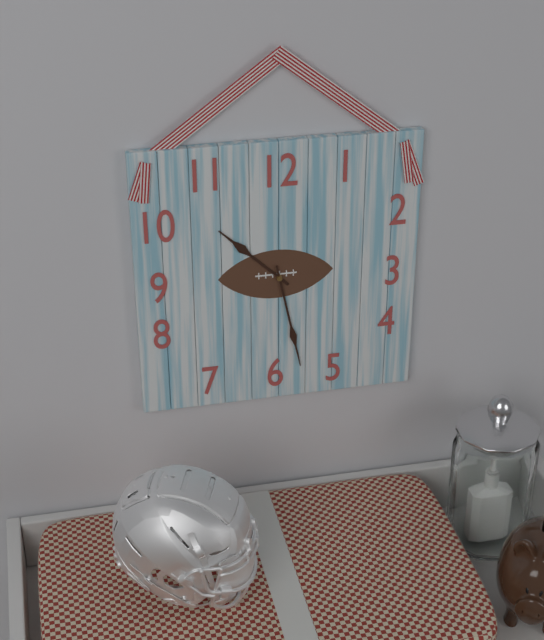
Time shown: **10:28**
